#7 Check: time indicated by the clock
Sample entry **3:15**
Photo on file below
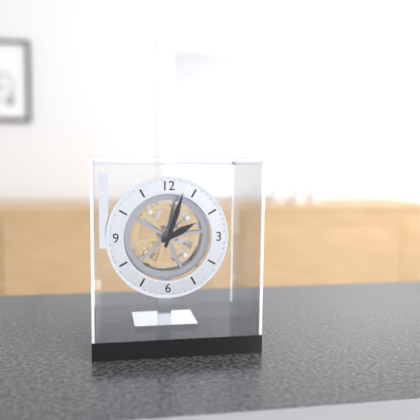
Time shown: **2:03**
